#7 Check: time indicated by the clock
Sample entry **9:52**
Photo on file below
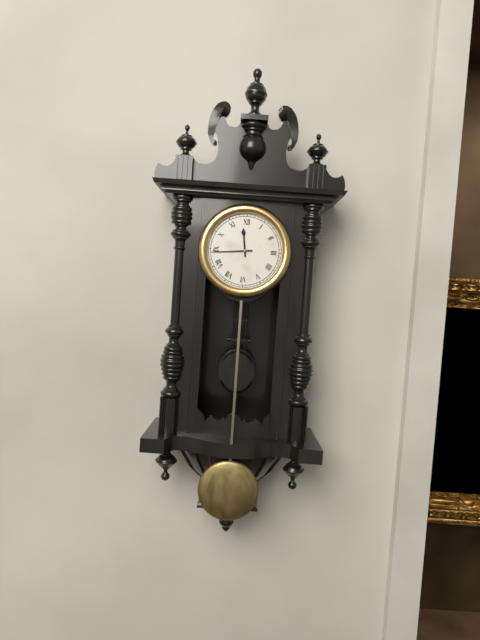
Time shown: **11:44**
